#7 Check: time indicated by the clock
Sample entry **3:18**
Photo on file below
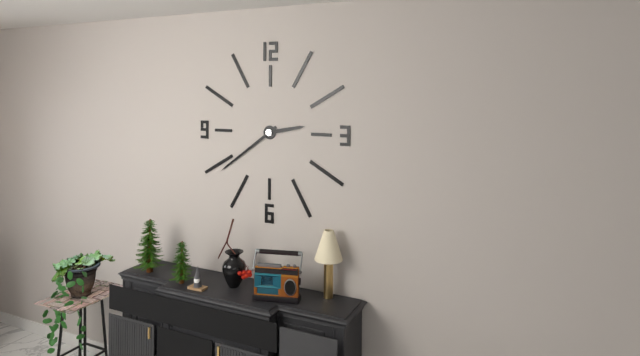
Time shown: **2:39**
